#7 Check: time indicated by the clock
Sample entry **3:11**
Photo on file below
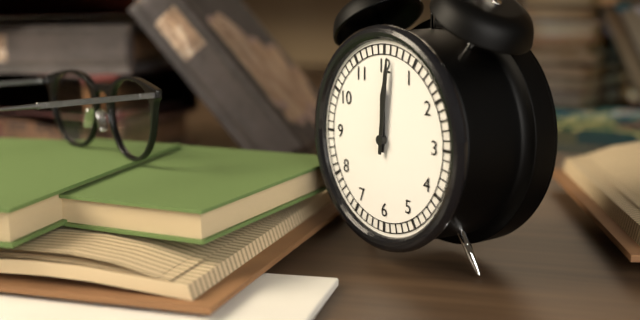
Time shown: **12:01**
